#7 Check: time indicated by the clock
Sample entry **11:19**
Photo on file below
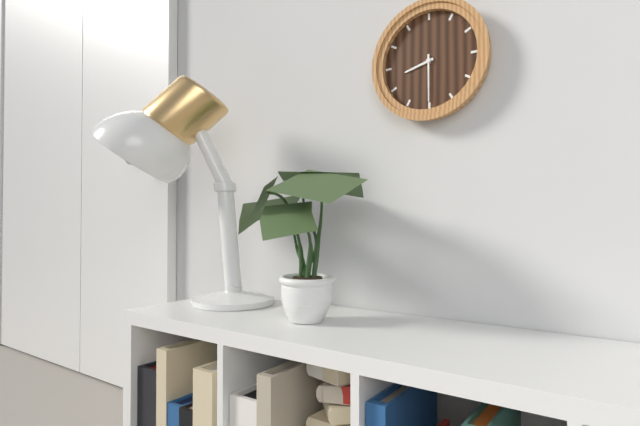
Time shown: **8:30**
